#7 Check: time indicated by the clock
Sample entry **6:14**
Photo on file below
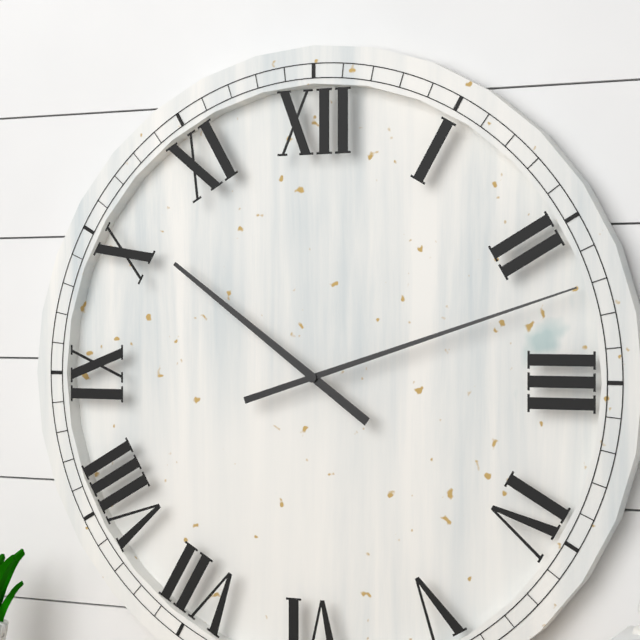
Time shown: **10:12**
